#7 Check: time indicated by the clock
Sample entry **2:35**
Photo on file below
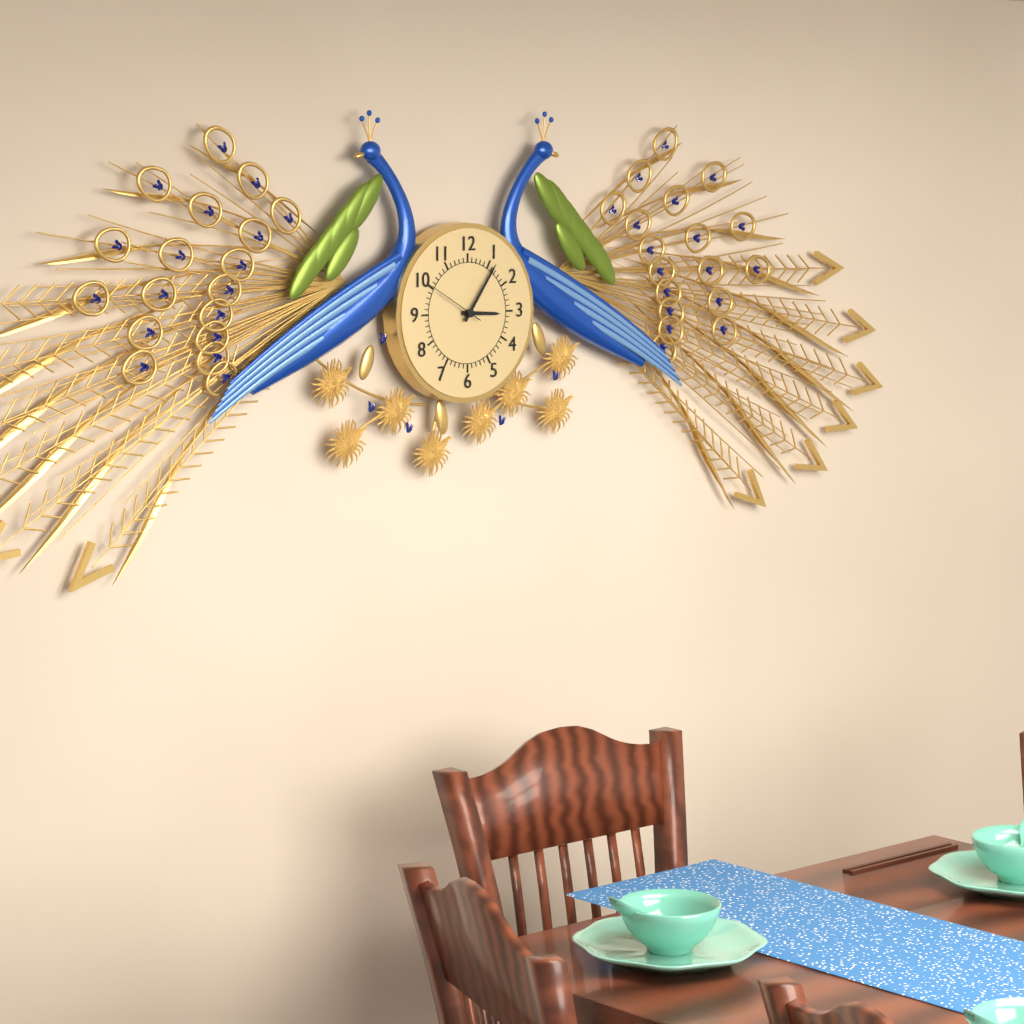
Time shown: **3:06**
